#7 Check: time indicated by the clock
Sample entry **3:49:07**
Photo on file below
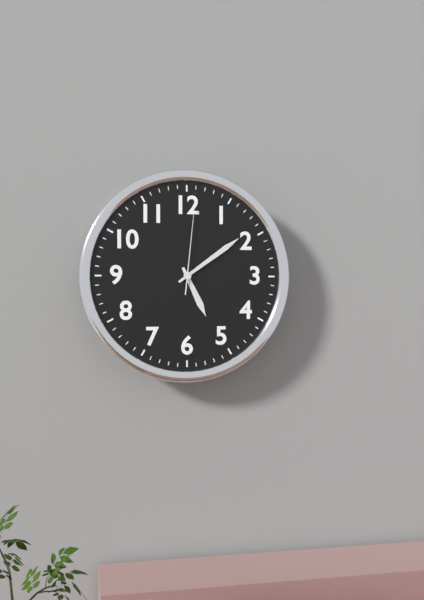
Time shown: **5:09:01**
